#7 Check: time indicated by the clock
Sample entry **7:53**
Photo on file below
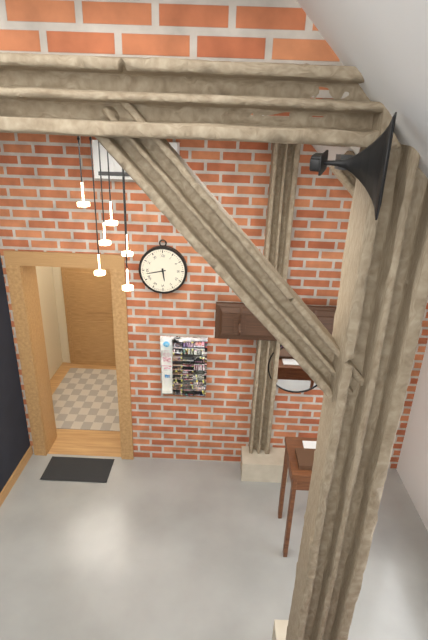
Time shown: **5:43**
